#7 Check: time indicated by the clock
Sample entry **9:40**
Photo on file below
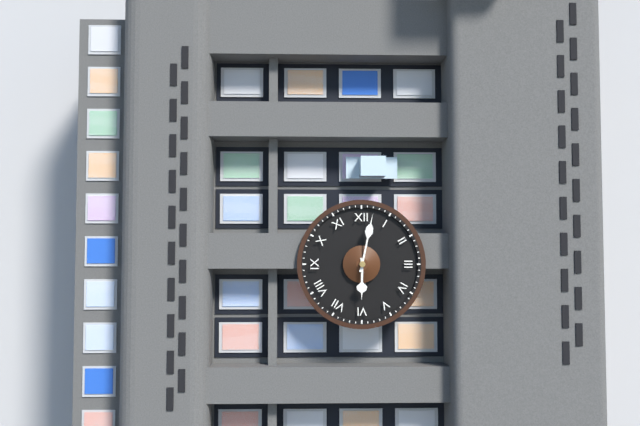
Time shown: **6:02**
